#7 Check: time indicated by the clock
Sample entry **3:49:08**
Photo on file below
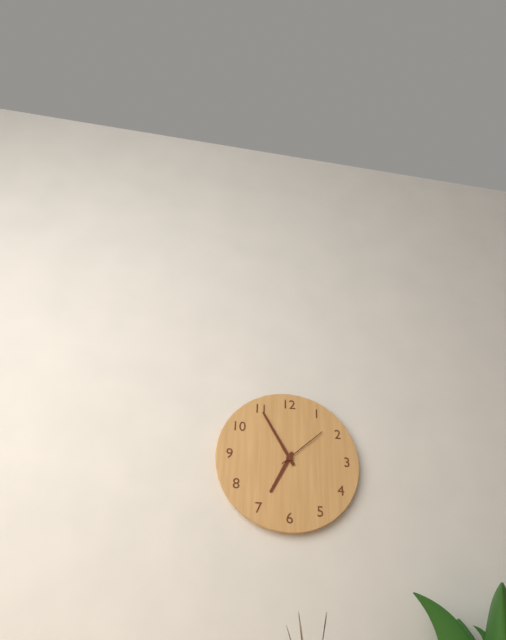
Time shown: **6:55:08**
